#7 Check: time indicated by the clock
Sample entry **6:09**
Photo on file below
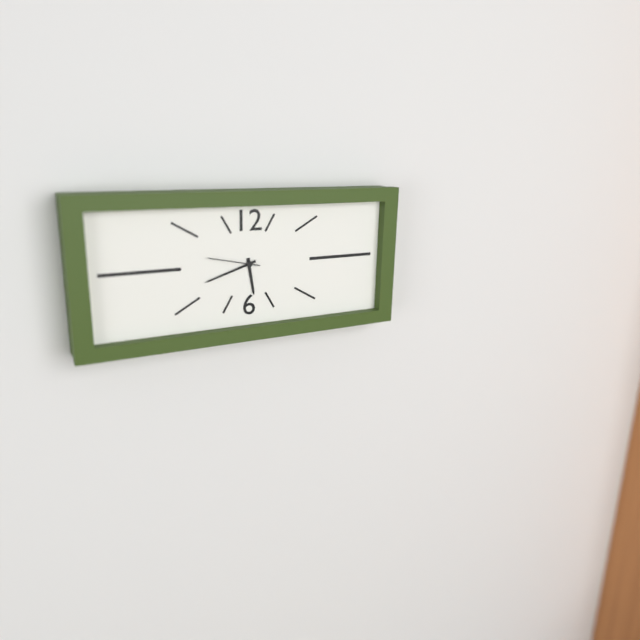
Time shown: **5:42**
